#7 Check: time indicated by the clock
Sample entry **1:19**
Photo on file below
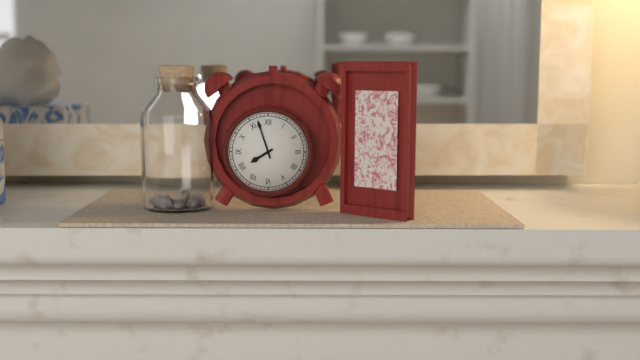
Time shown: **7:57**
